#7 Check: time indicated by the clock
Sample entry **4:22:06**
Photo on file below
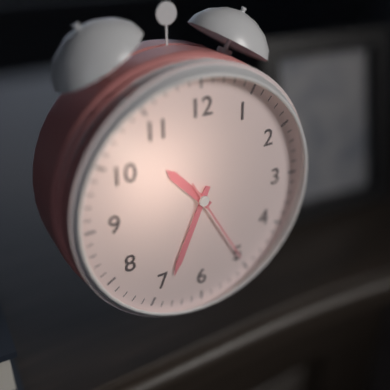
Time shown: **10:34:25**
